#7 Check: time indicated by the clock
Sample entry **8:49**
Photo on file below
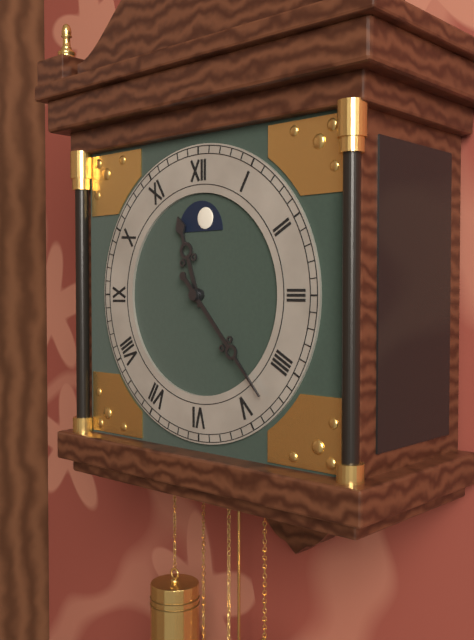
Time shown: **11:23**
